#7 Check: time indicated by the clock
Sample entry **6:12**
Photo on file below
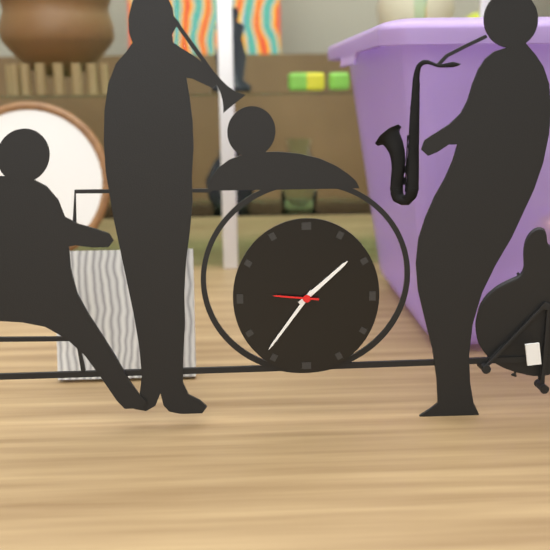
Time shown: **1:36**
